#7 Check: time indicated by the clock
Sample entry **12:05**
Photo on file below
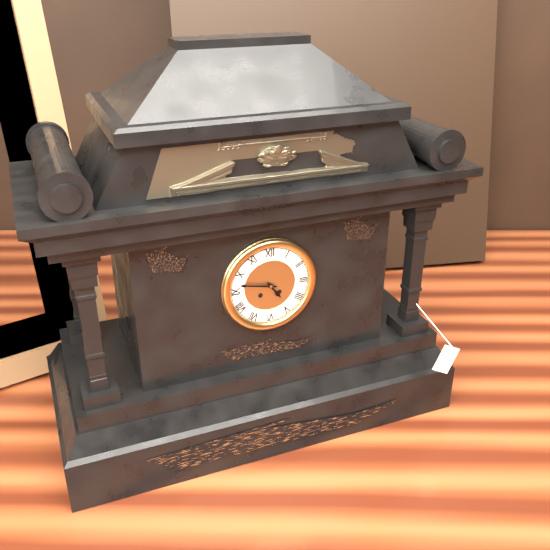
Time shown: **4:47**
